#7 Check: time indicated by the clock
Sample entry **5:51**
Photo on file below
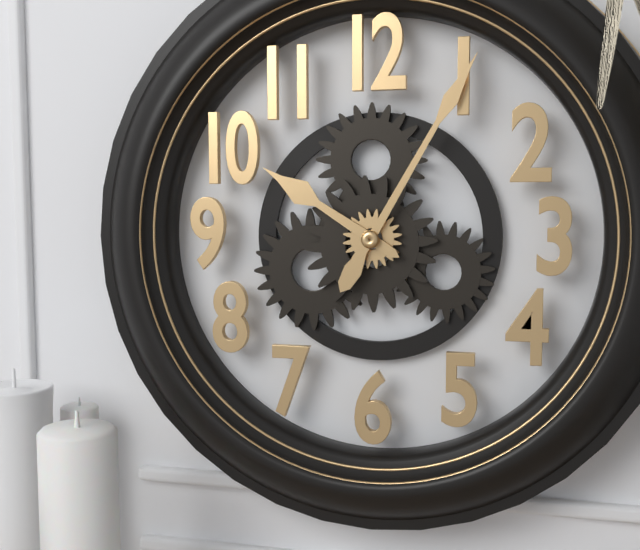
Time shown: **10:05**
